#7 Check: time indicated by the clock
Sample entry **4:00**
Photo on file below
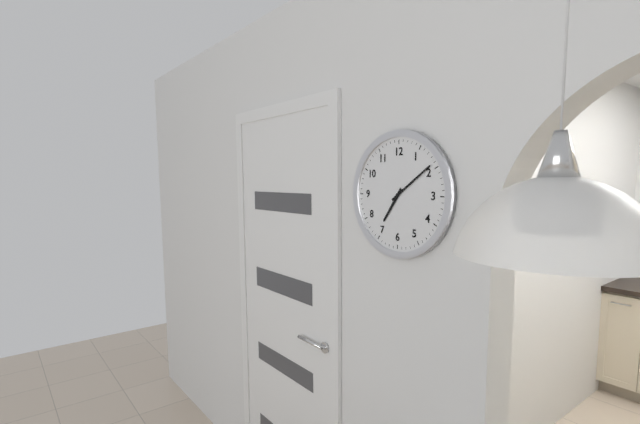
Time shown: **7:09**
